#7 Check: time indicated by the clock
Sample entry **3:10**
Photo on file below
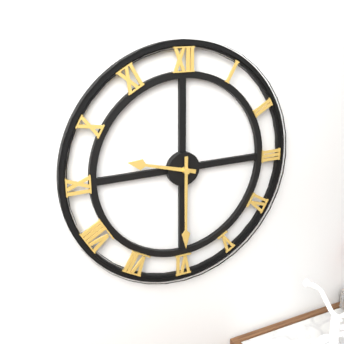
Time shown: **9:30**
